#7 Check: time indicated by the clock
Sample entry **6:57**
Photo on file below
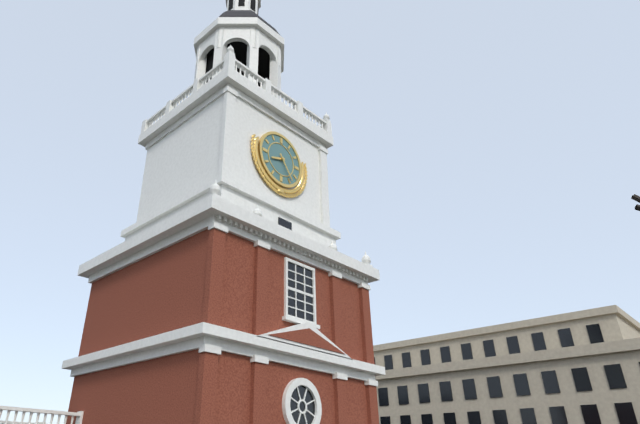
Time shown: **8:24**
